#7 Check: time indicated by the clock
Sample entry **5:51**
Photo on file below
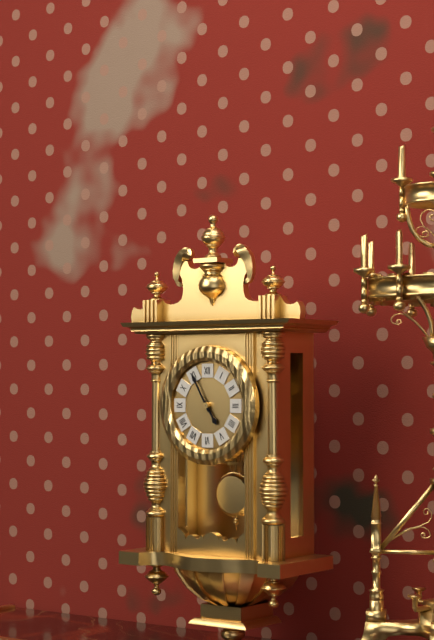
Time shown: **4:55**
